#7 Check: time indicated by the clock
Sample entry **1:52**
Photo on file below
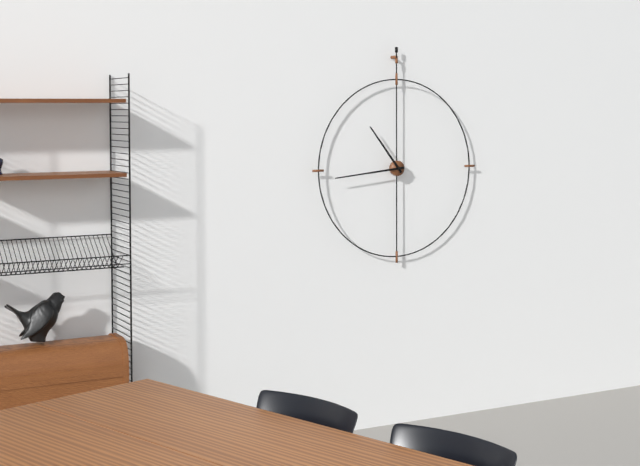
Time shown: **10:44**
